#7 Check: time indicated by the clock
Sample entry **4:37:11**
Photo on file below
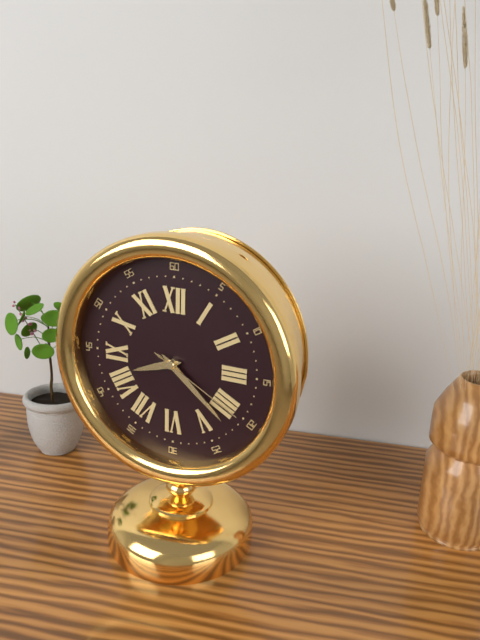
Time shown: **8:22:20**
